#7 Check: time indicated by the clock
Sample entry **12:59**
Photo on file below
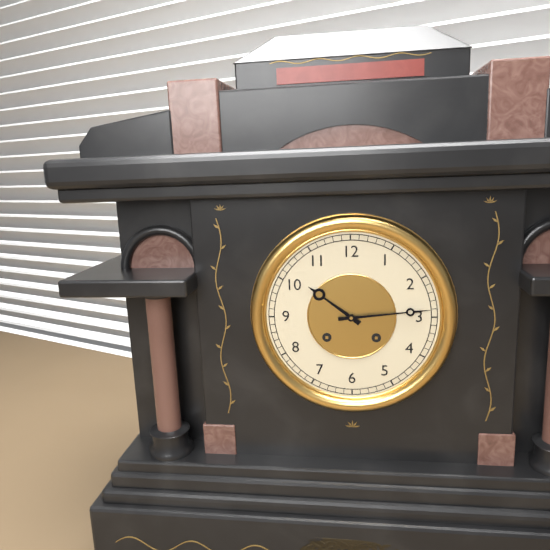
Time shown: **10:14**
